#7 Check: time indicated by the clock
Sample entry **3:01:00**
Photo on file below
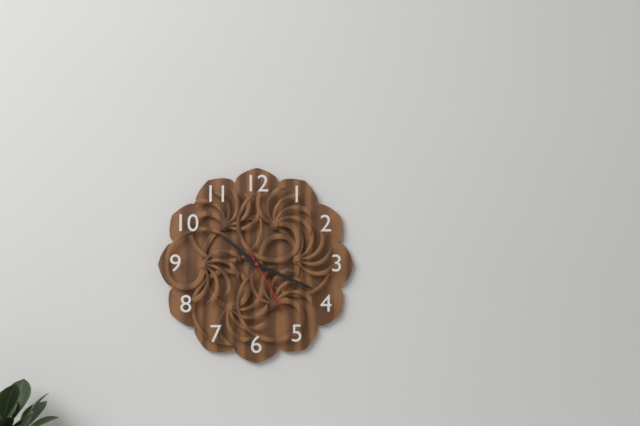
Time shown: **10:19:25**
